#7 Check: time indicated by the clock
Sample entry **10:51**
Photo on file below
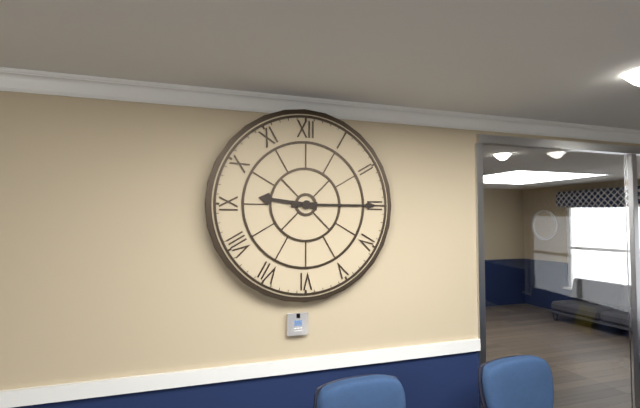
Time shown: **9:15**
